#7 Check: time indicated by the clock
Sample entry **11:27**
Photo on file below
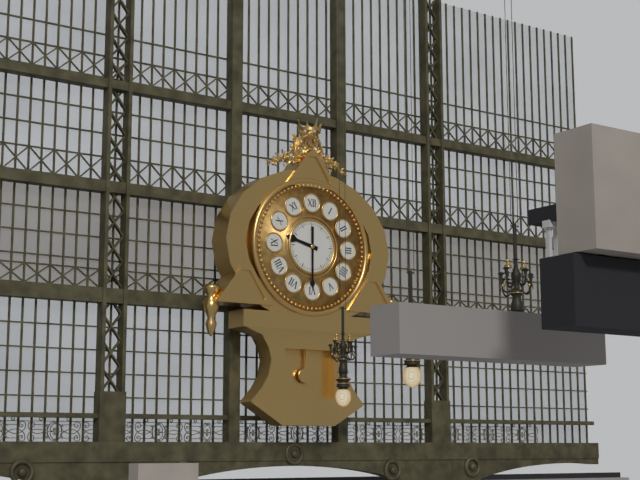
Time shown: **9:30**
